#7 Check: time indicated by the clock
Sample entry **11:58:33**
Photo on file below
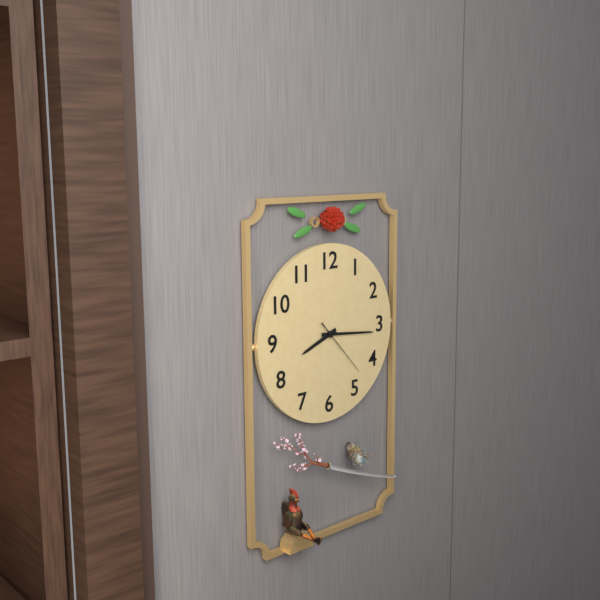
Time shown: **8:16:23**
